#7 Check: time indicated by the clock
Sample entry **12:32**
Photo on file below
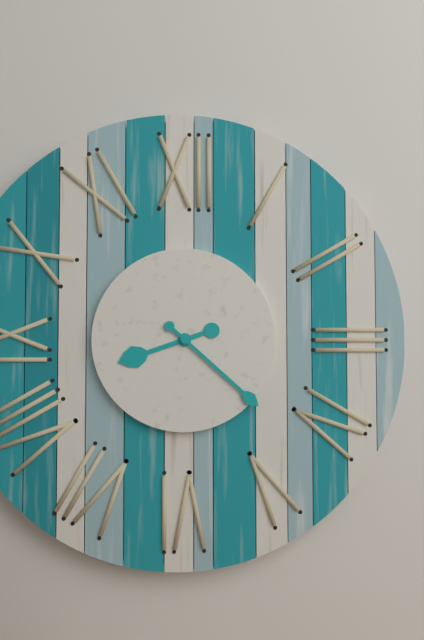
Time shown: **8:22**
